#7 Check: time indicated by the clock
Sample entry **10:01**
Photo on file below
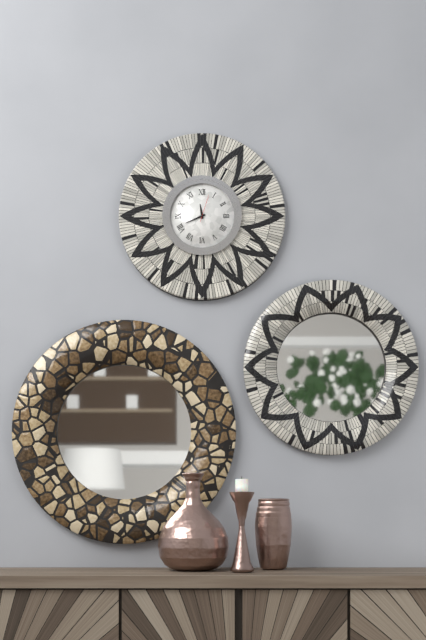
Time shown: **11:41**
